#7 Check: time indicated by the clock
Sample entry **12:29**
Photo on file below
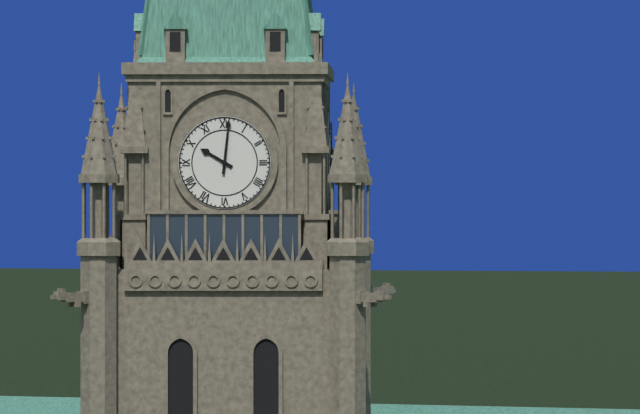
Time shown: **10:01**
